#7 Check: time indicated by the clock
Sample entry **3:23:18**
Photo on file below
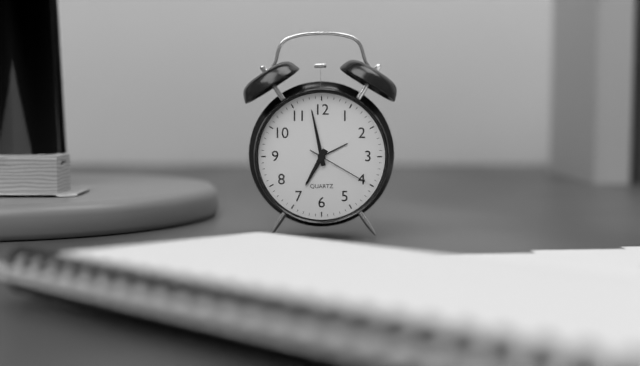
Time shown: **6:58:20**
